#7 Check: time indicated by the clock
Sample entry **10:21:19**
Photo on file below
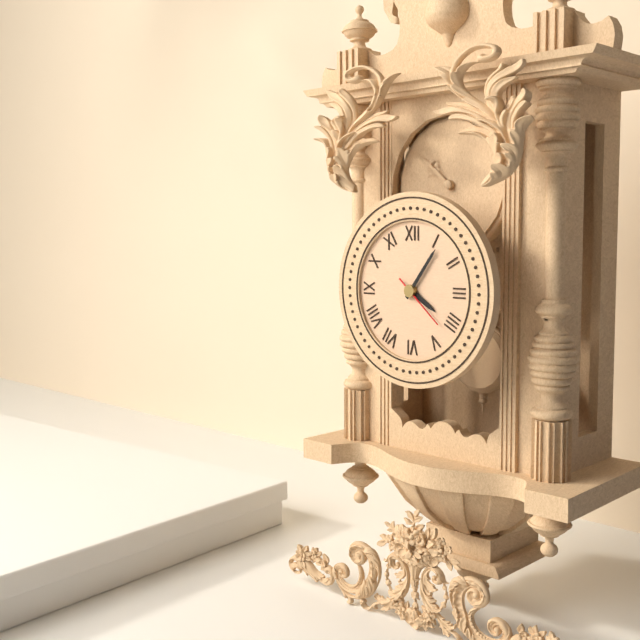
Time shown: **4:06:22**
